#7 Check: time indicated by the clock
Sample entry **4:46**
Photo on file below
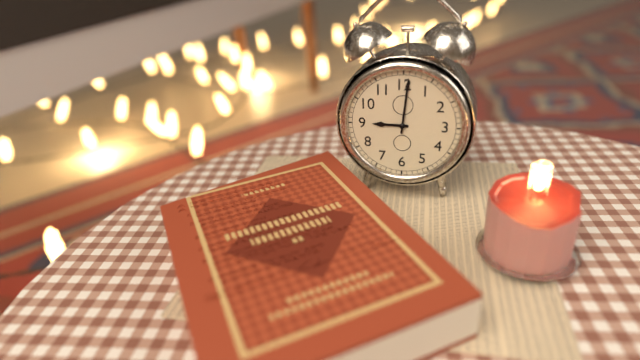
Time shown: **9:01**
